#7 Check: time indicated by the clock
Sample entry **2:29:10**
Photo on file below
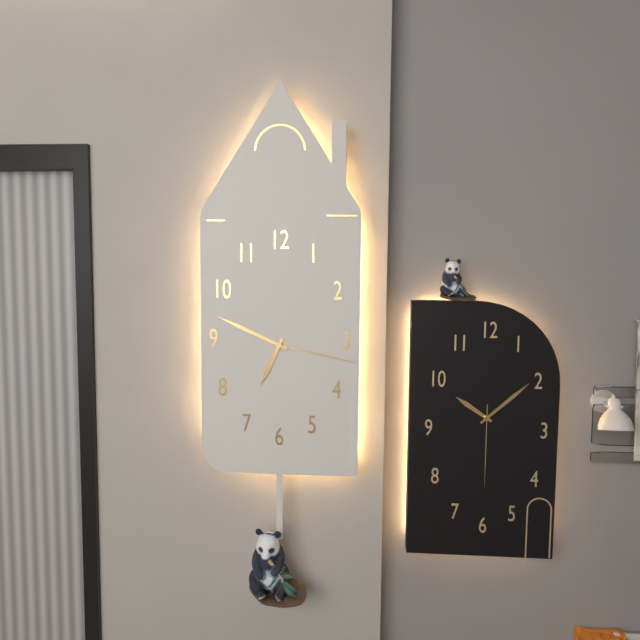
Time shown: **6:49:17**
